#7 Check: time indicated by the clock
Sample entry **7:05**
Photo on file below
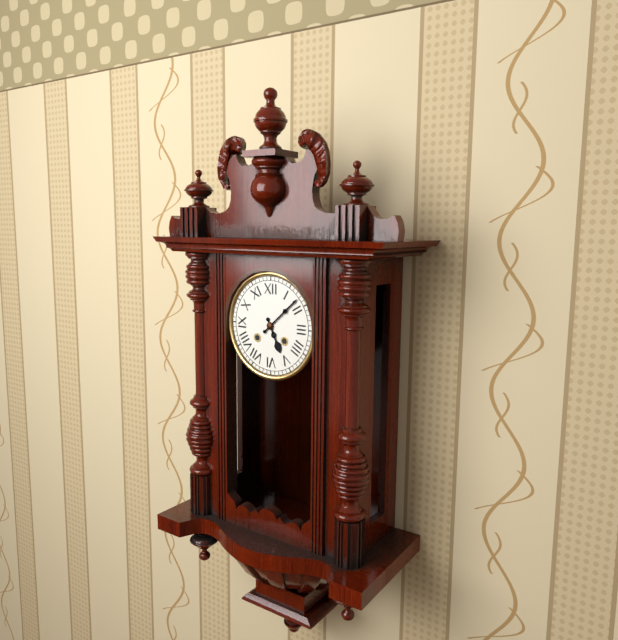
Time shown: **5:08**
